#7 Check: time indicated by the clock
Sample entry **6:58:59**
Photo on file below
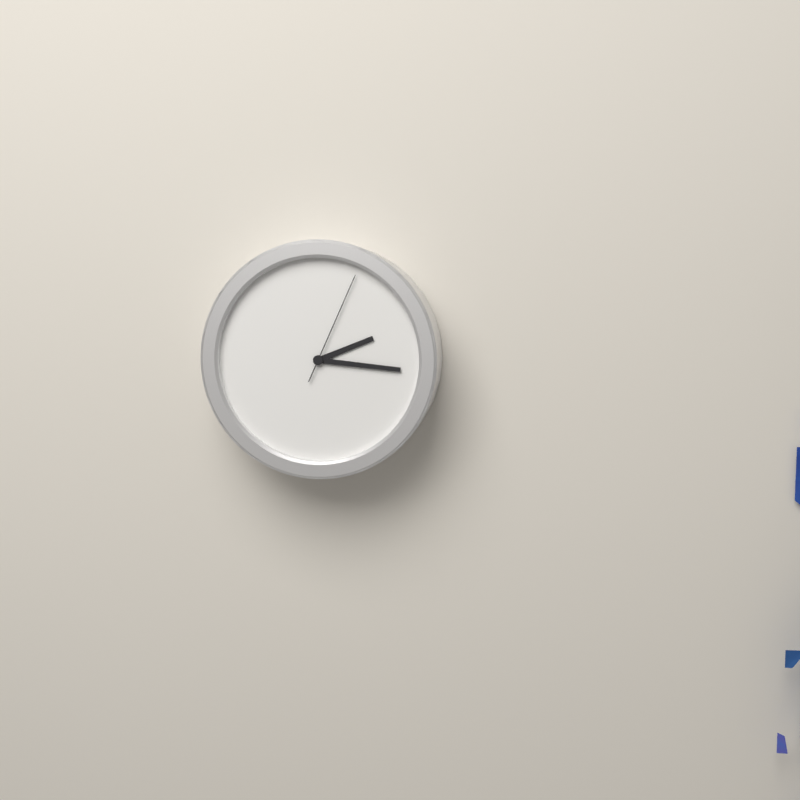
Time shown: **2:16:04**
